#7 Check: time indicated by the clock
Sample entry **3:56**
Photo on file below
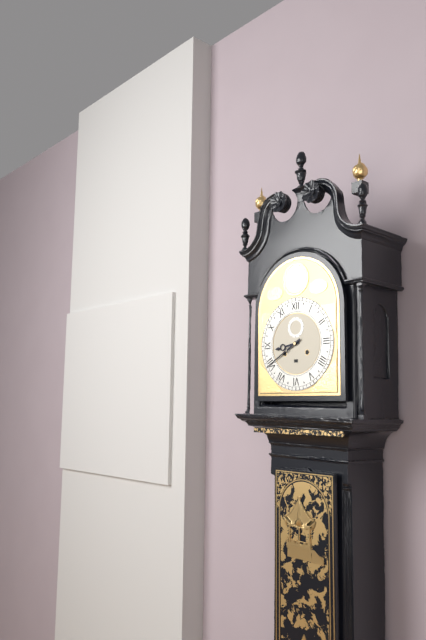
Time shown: **8:40**
